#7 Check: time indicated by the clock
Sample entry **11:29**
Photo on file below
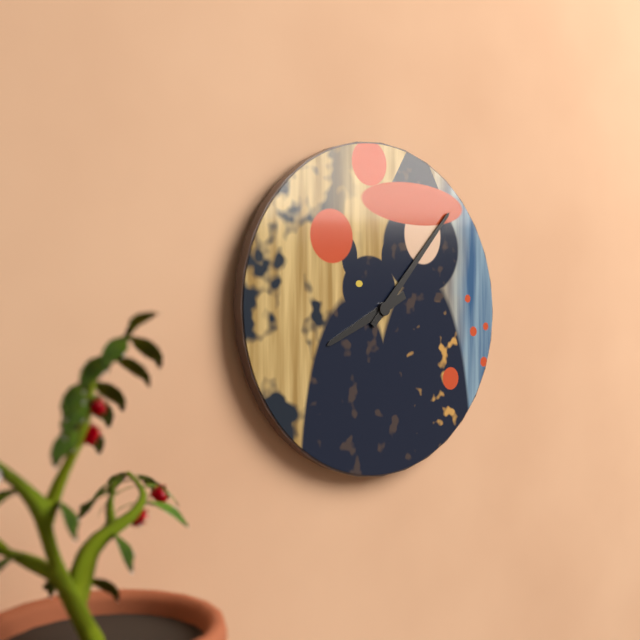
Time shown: **8:07**
